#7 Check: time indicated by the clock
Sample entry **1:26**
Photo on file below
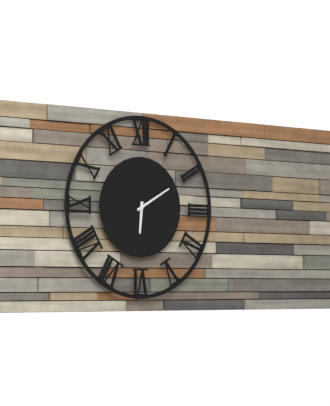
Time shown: **6:10**
